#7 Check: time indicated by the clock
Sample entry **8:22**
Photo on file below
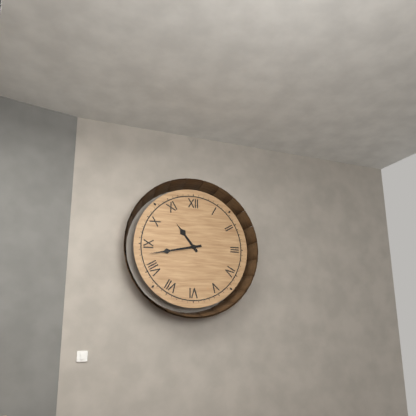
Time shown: **10:43**
